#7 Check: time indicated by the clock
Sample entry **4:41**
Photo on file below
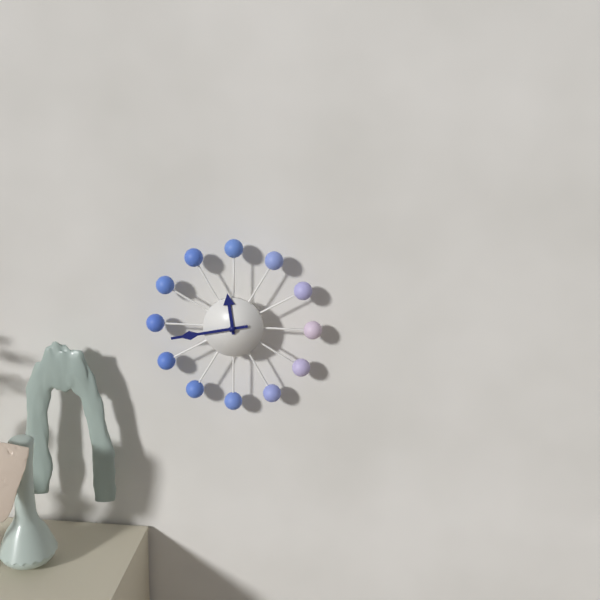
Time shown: **11:43**
